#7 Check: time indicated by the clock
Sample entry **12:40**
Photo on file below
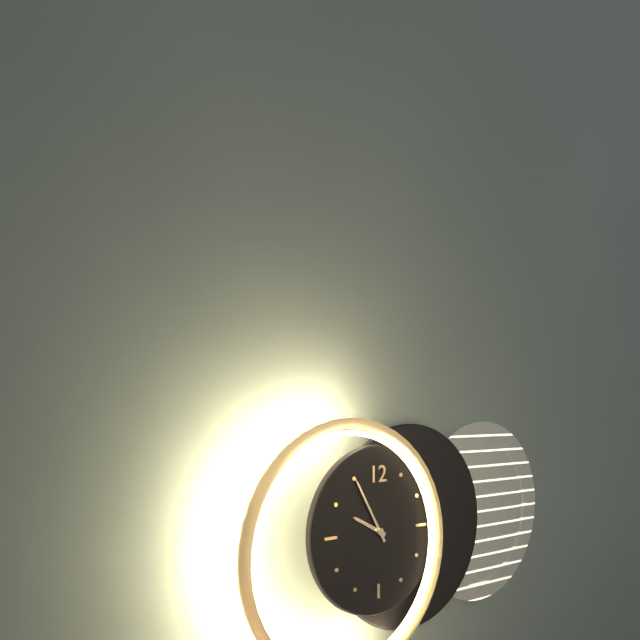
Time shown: **9:55**
